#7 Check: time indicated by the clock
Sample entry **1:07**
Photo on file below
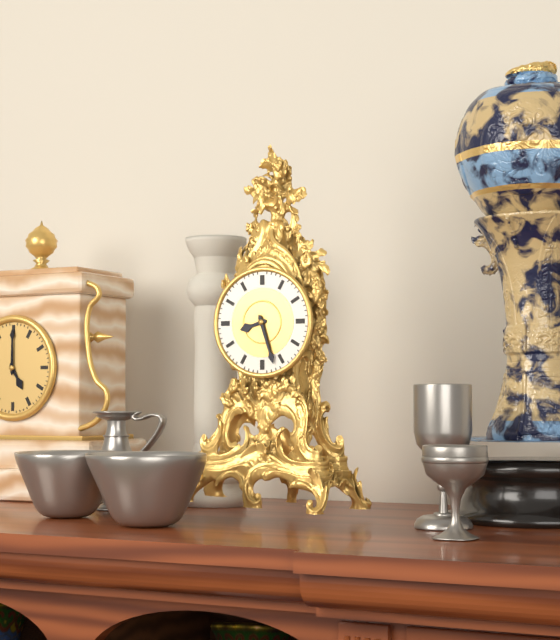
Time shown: **8:27**
